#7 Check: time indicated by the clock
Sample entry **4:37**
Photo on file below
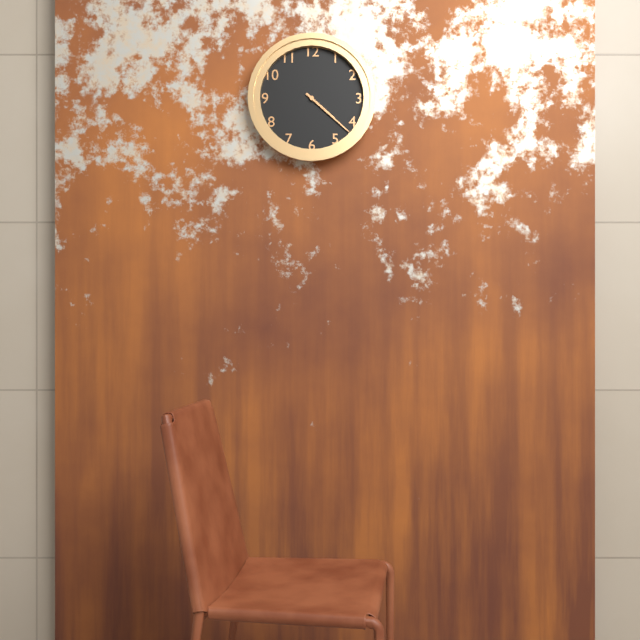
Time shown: **4:22**
